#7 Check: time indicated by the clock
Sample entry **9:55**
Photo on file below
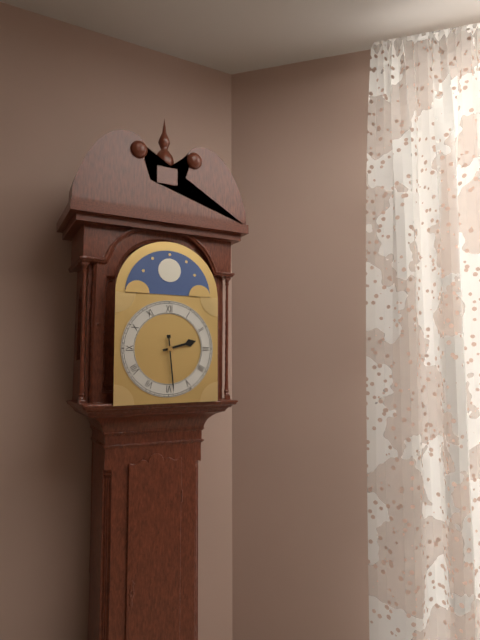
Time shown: **2:29**
